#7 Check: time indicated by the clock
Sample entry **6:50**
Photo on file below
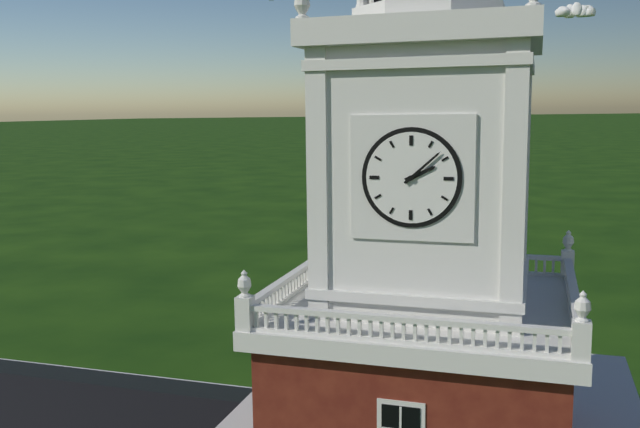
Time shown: **2:08**
